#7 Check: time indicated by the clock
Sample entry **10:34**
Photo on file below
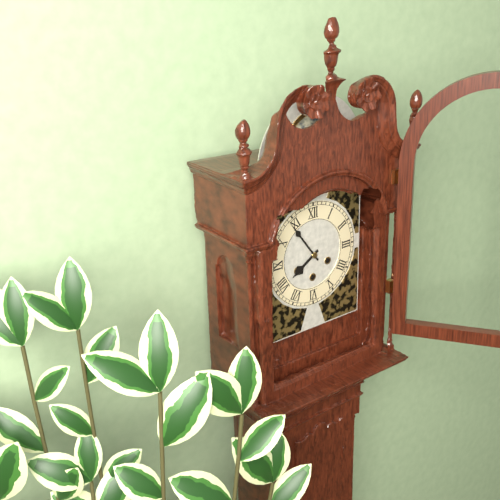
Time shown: **7:54**
